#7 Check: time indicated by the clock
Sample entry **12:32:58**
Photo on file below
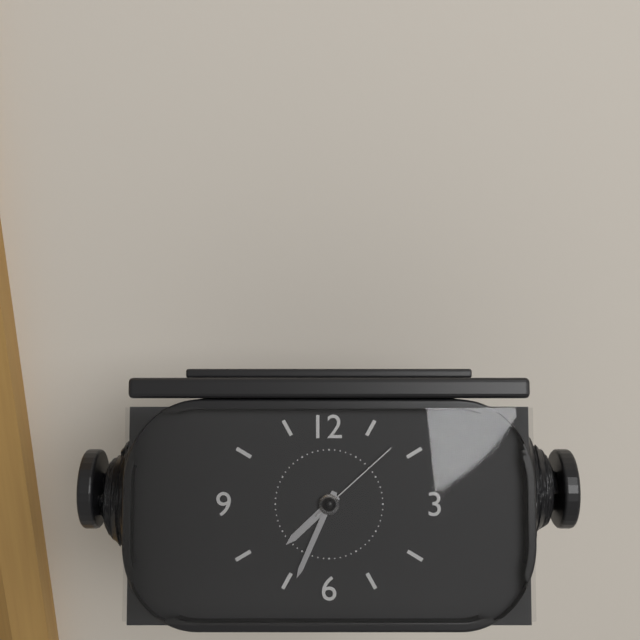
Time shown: **7:34:08**
